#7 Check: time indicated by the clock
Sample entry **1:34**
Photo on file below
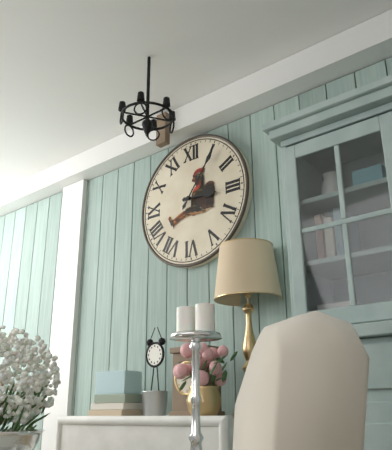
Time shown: **3:06**
